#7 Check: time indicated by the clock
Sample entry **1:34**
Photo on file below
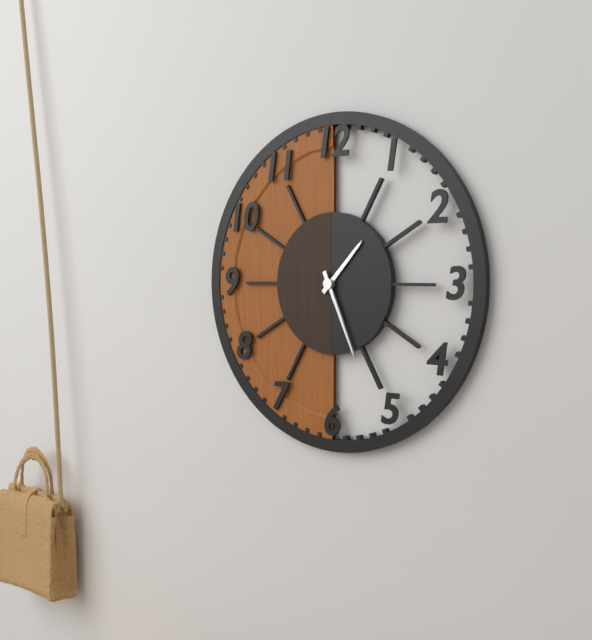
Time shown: **1:26**
